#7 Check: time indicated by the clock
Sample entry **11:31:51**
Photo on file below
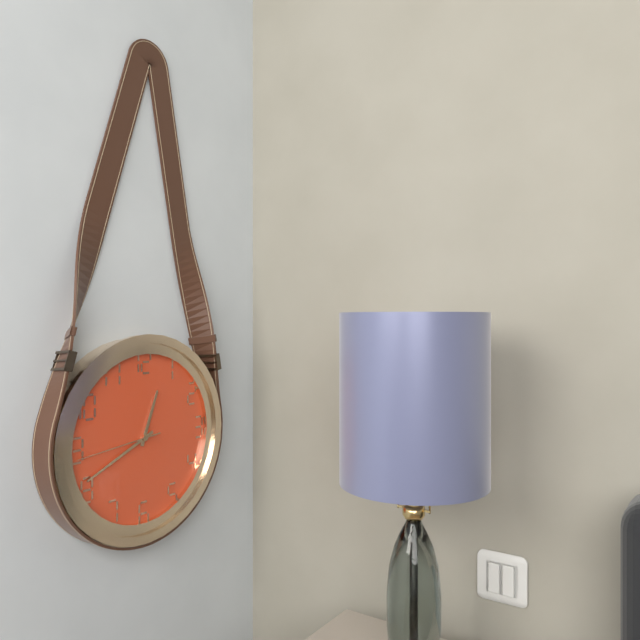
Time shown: **12:41:44**
